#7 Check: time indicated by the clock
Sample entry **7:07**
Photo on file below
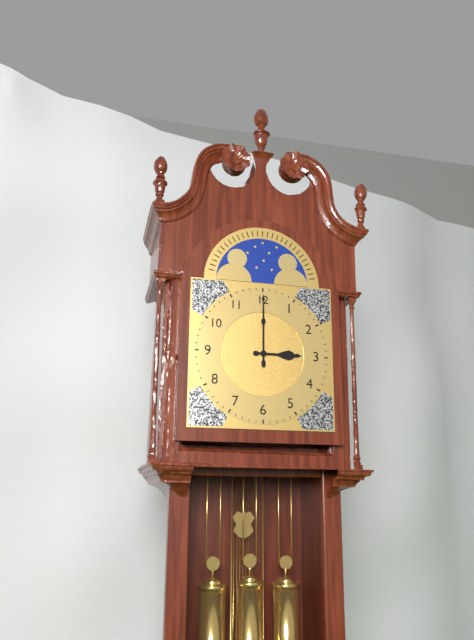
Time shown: **3:00**
